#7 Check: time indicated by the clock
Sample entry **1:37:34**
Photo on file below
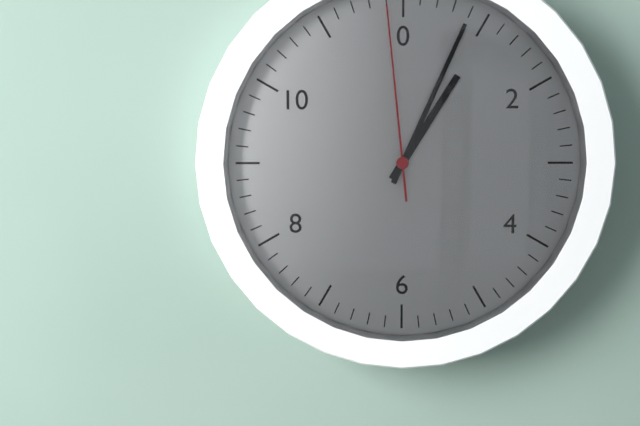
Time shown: **1:04:59**
